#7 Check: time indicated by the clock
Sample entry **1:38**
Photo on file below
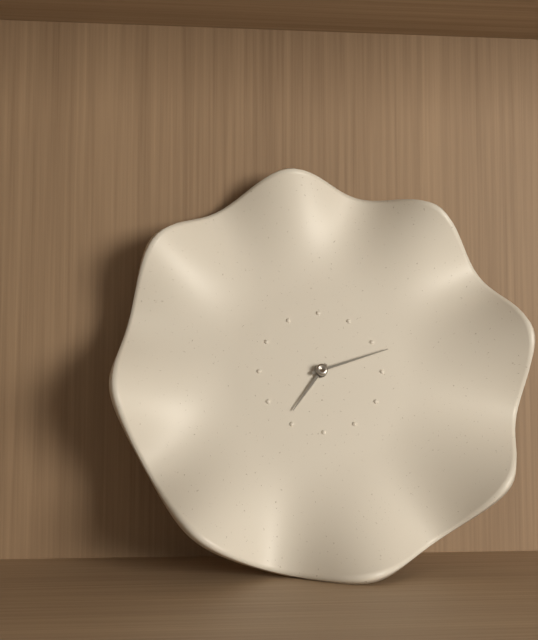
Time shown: **7:12**
